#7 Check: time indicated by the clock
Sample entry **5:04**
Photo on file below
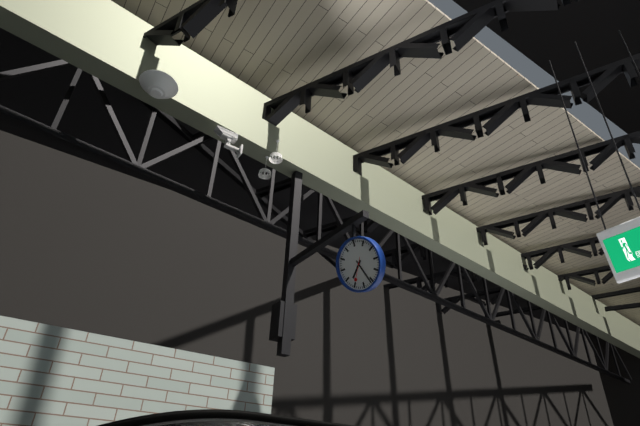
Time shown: **7:26**
